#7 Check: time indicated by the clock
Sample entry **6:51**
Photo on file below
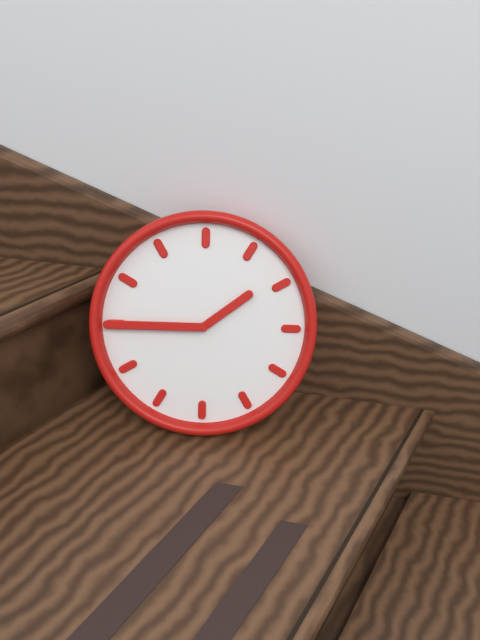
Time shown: **1:45**
